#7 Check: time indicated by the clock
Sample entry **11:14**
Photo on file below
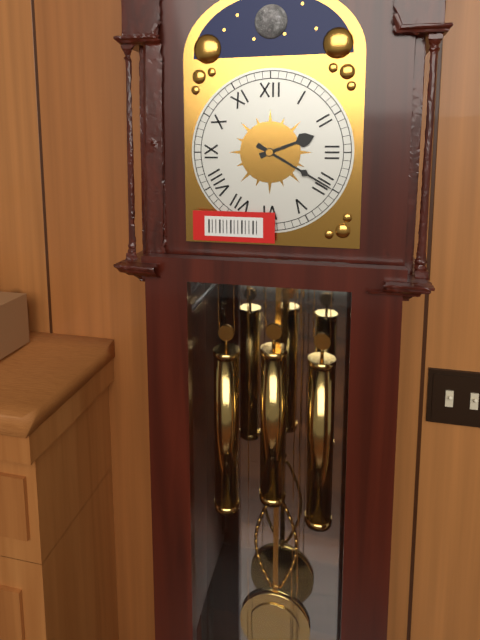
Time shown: **2:20**
